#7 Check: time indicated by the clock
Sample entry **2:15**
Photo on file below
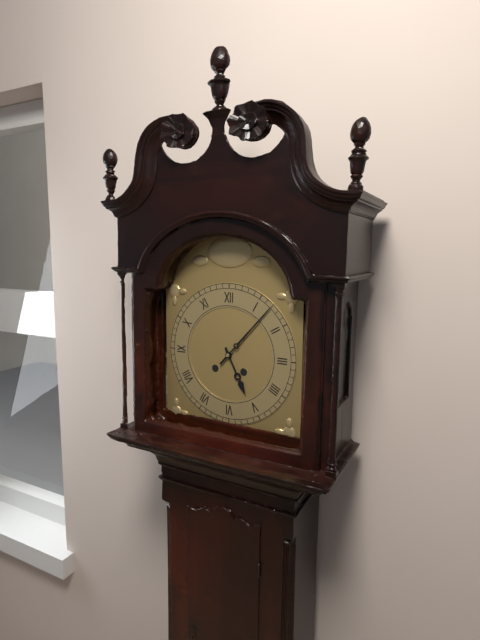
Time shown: **5:07**
